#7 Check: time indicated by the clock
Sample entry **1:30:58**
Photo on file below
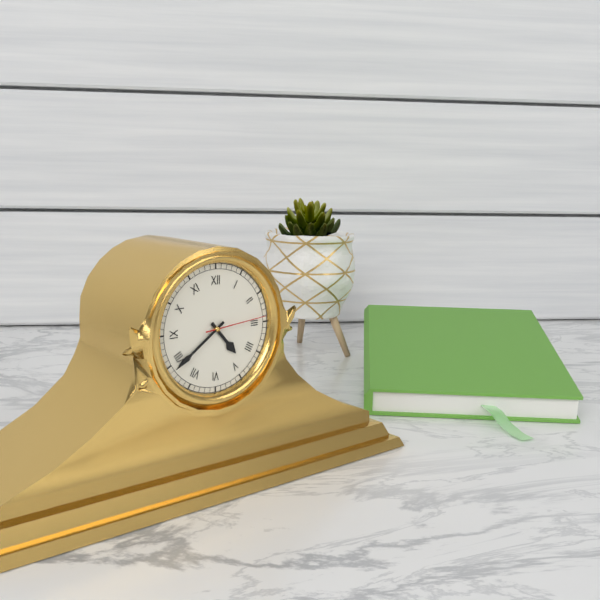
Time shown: **4:39:14**
